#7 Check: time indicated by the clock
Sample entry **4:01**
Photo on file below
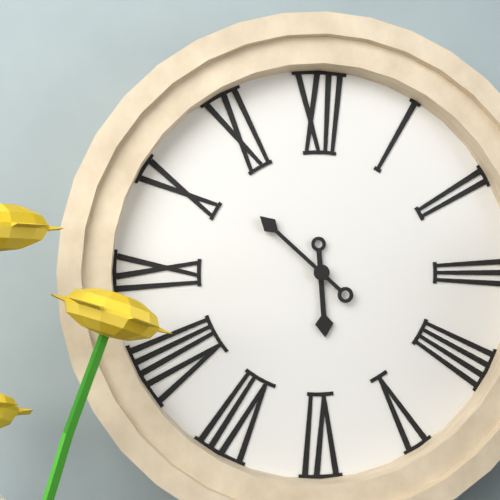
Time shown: **5:52**
